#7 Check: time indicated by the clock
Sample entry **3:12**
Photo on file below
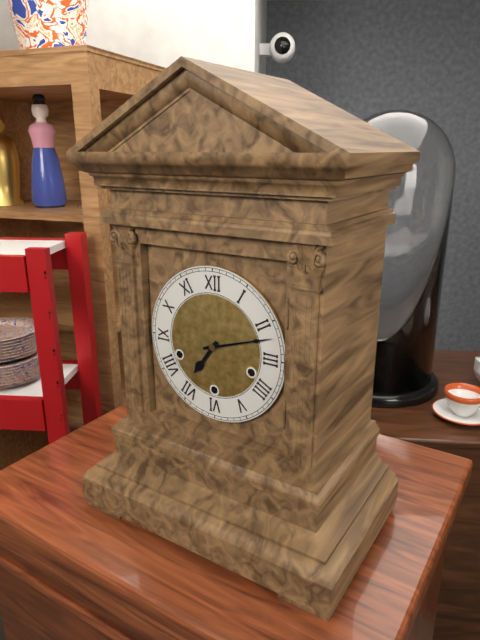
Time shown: **7:12**
